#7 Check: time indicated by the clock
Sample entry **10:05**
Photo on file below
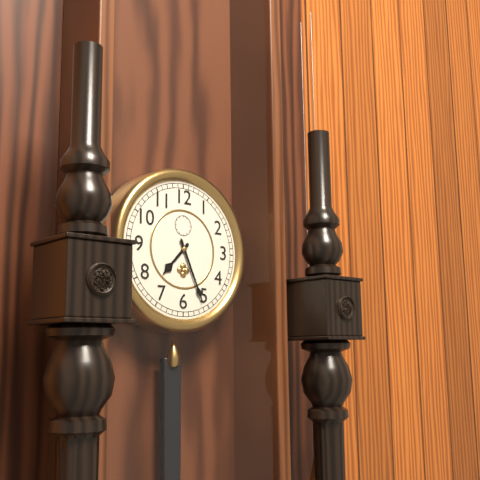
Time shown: **7:26**
